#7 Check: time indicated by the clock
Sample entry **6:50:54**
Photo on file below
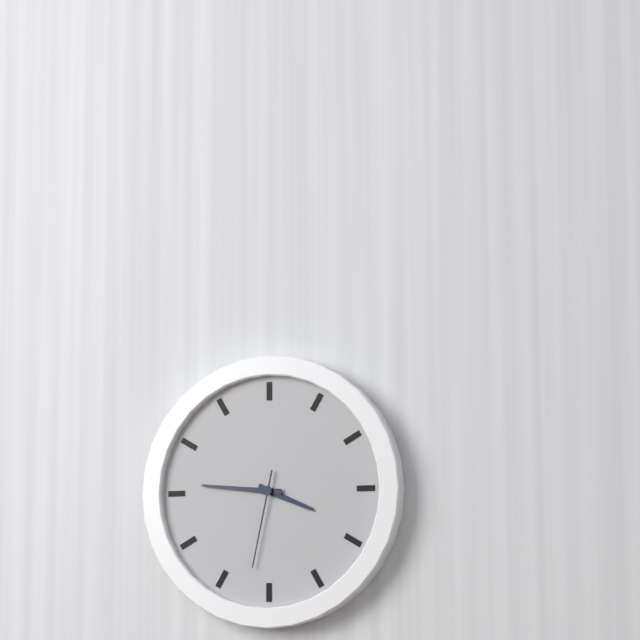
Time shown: **3:46:32**
